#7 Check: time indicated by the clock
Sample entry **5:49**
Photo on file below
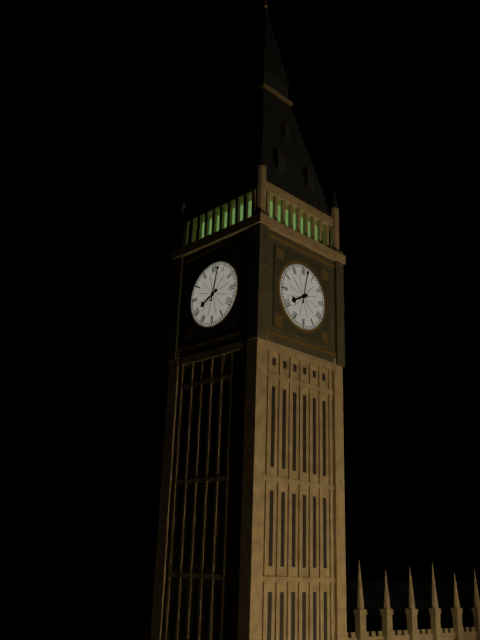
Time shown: **8:02**
